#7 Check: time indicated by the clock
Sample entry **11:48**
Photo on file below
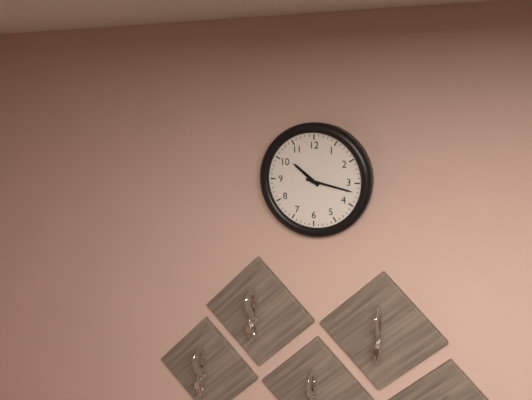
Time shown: **10:17**
